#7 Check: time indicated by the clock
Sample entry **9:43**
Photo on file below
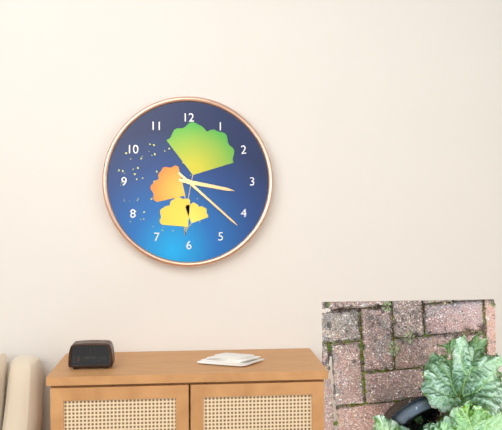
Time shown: **3:22**
